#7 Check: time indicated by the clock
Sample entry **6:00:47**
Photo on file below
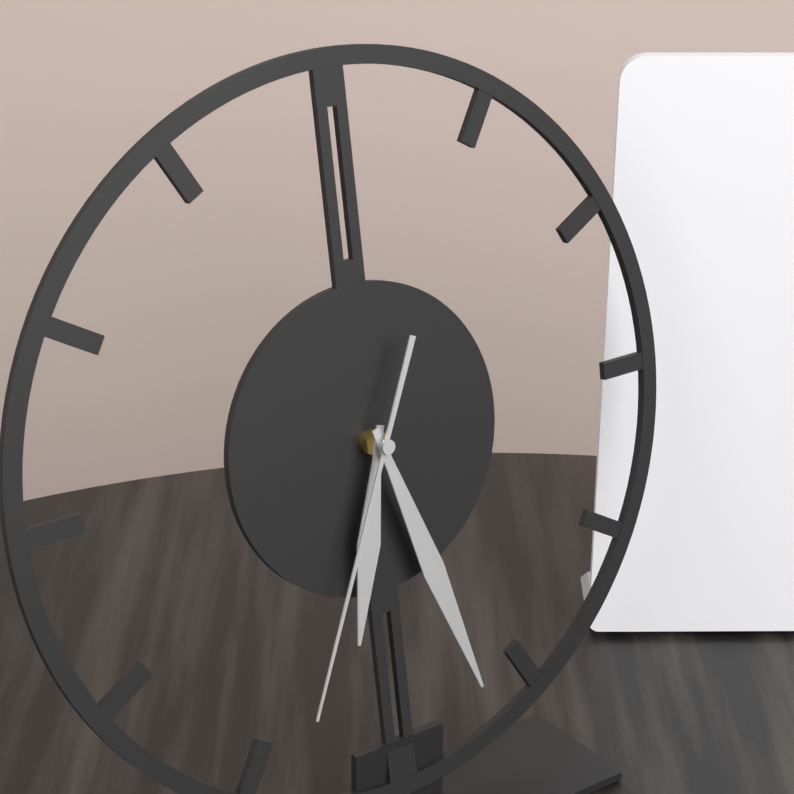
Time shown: **6:27:34**
